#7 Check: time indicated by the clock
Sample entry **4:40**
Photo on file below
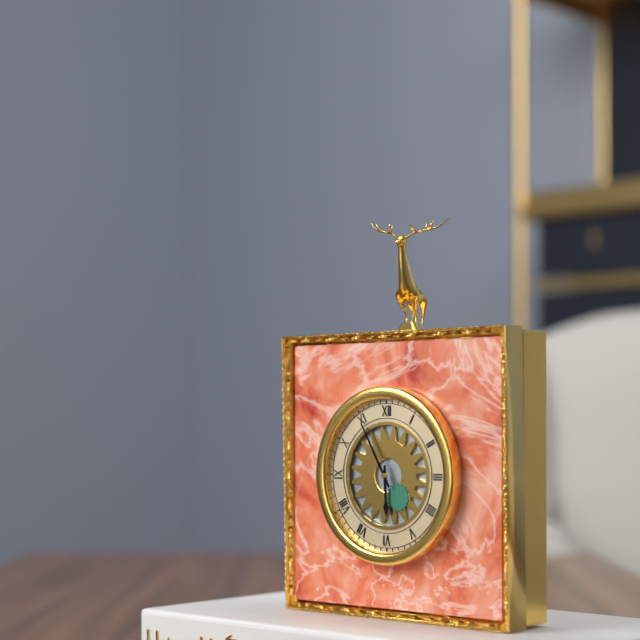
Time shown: **5:55**
